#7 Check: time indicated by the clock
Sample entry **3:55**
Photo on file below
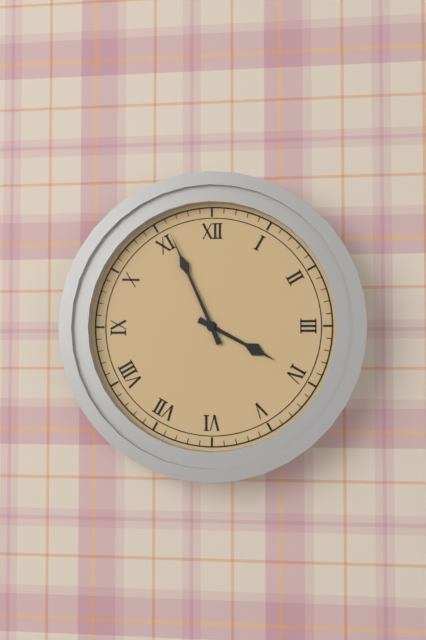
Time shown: **3:56**
